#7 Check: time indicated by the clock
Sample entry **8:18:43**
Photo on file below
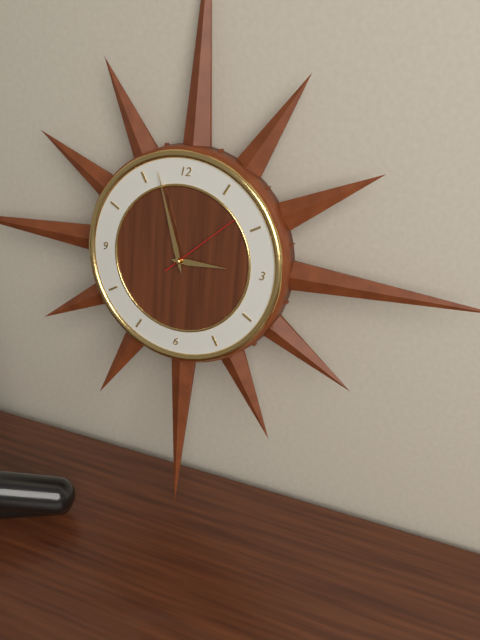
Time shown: **2:57:08**
